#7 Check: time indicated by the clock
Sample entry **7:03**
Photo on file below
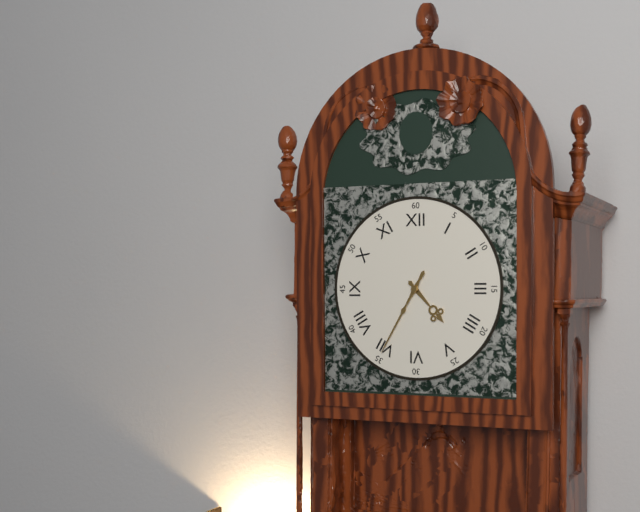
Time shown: **4:35**
